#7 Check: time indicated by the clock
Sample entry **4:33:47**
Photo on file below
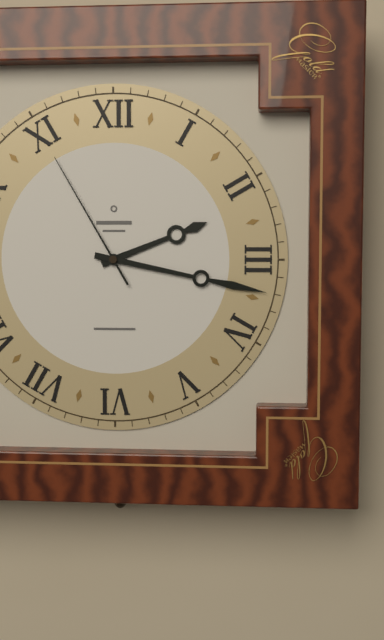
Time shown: **2:17:55**
